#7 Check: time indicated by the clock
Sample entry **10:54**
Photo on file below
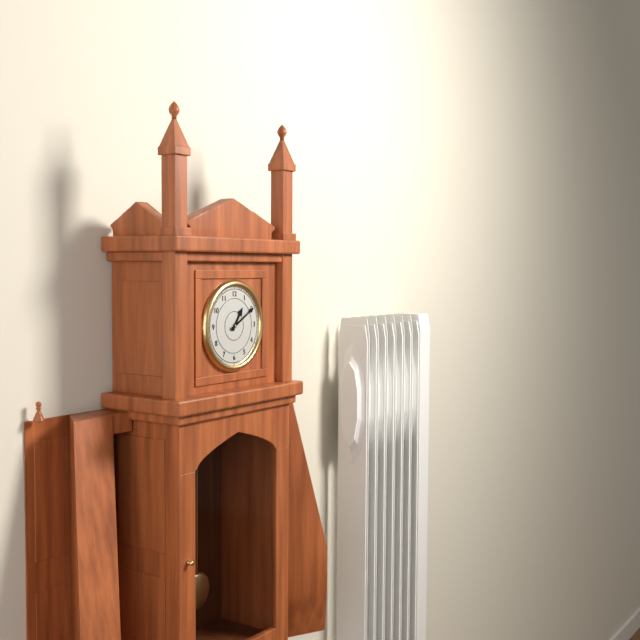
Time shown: **1:10**
